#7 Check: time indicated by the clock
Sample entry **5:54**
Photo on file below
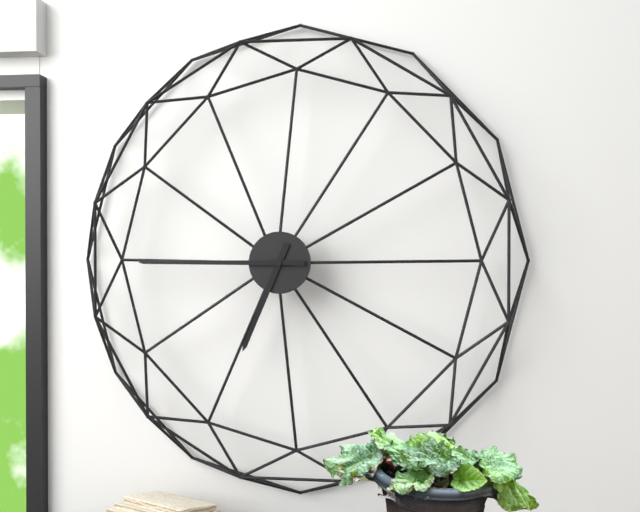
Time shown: **6:45**
